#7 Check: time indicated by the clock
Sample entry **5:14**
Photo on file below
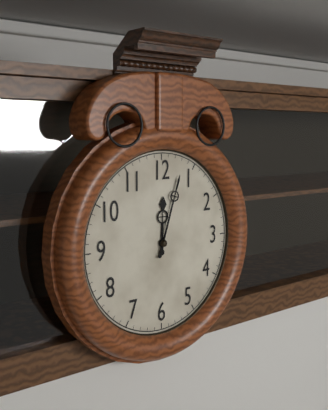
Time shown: **12:03**
